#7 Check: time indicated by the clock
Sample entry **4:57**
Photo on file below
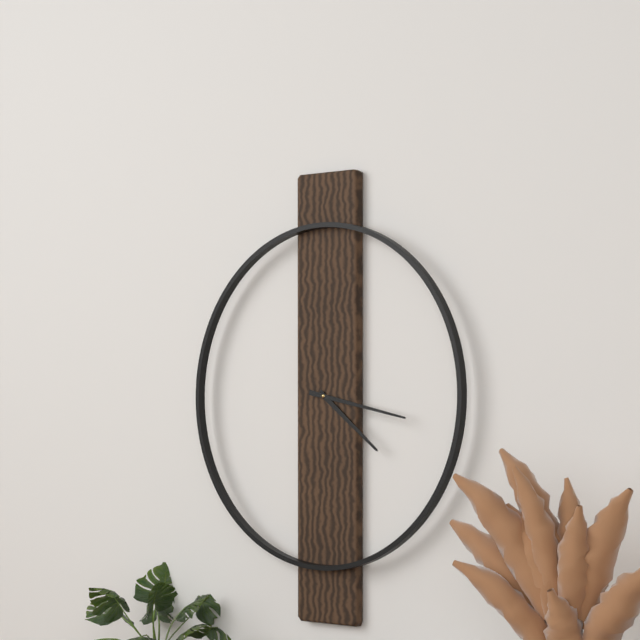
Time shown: **4:17**
